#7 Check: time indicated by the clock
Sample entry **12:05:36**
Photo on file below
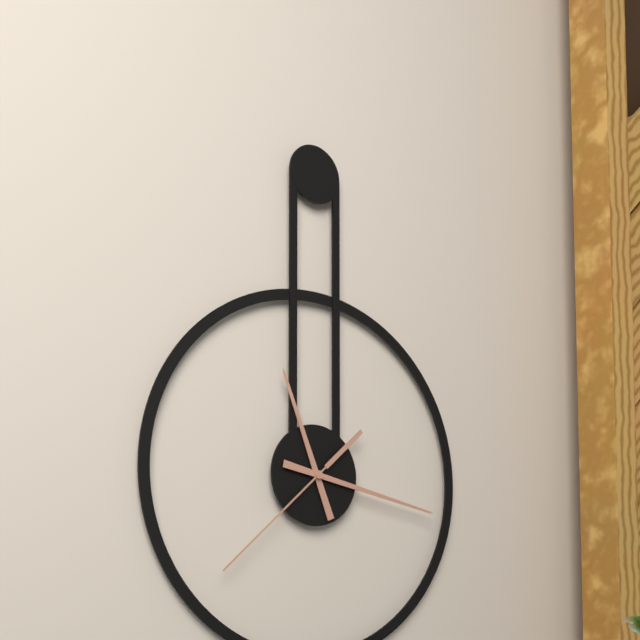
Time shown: **11:17:38**
